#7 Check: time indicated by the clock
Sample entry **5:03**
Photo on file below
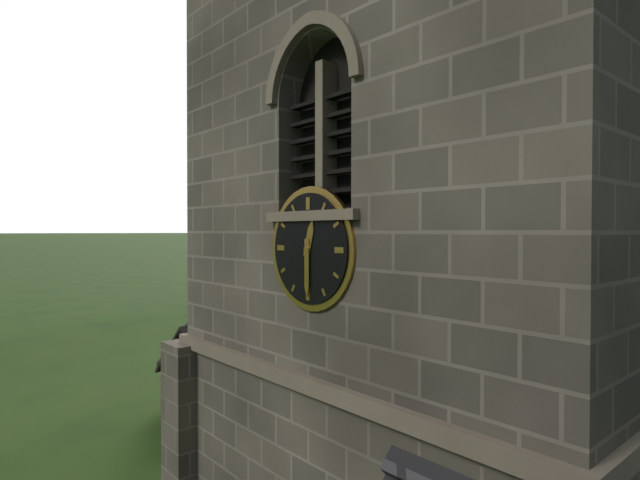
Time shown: **12:30**
